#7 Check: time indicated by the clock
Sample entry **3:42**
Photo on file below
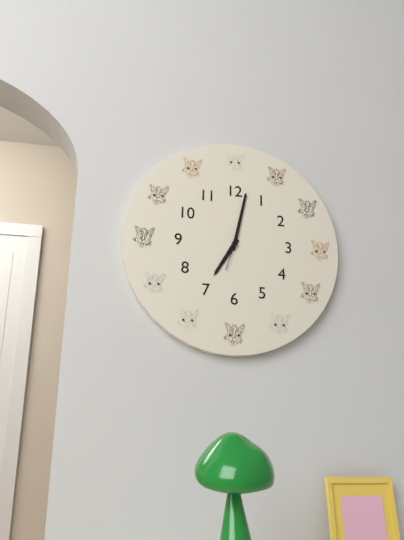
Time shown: **7:02**
